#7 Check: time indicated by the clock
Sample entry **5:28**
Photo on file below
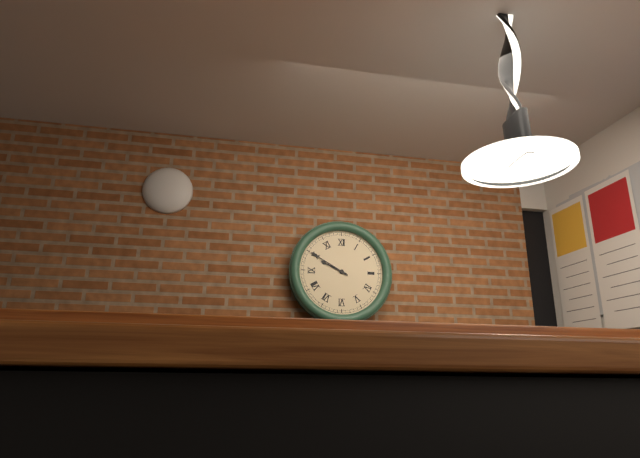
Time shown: **9:50**
